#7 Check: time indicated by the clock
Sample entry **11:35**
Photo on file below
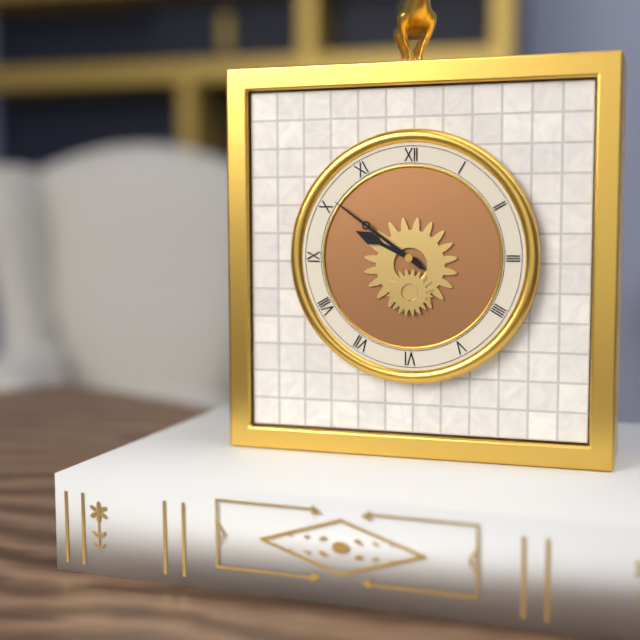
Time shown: **9:51**
